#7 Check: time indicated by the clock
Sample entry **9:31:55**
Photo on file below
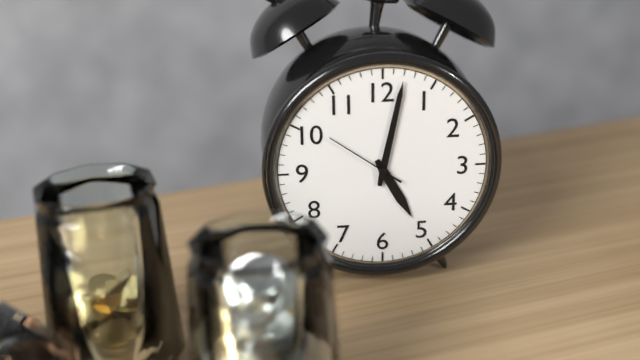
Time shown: **5:02:51**
